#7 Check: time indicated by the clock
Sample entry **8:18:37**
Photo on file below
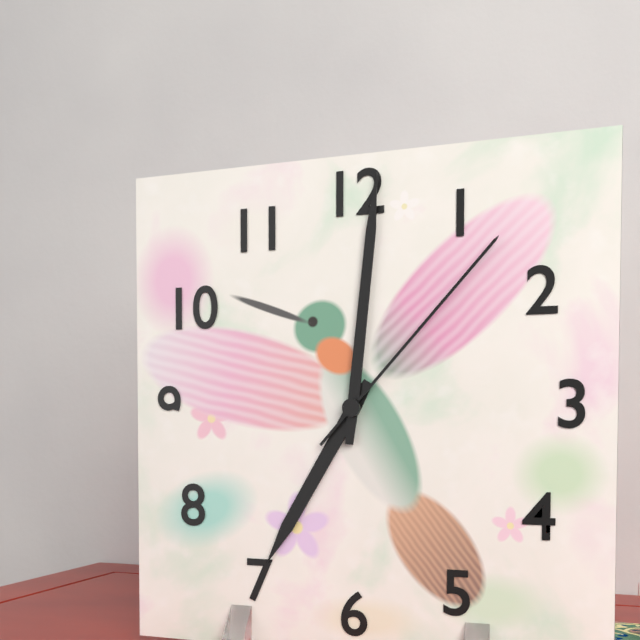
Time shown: **7:01:07**
